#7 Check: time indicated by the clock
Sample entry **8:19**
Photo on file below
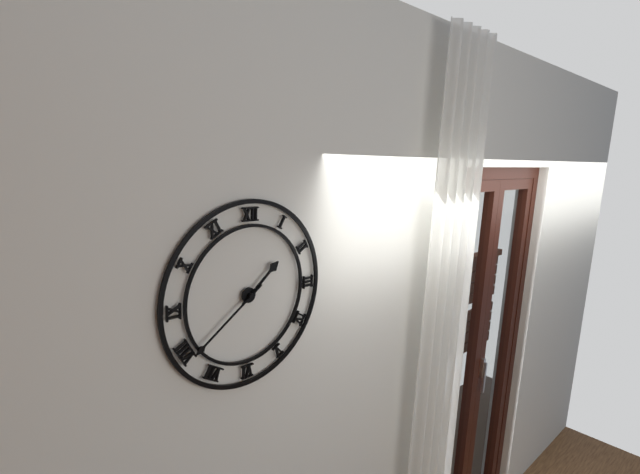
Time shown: **1:39**
